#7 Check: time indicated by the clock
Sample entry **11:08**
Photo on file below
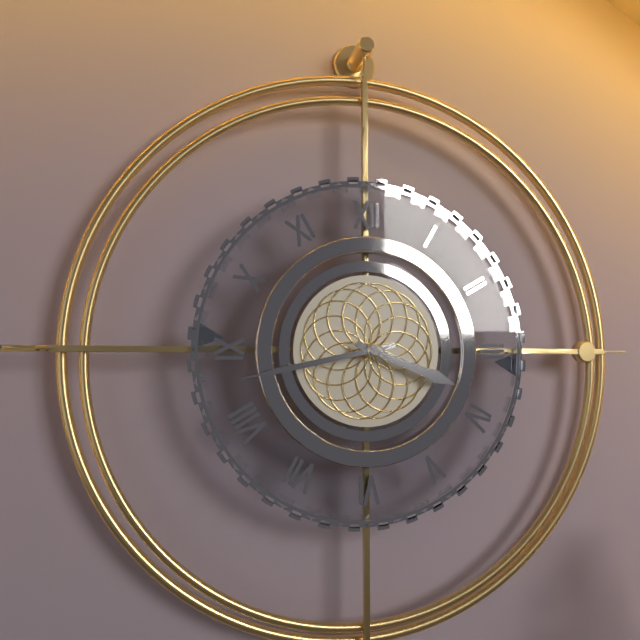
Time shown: **3:43**
